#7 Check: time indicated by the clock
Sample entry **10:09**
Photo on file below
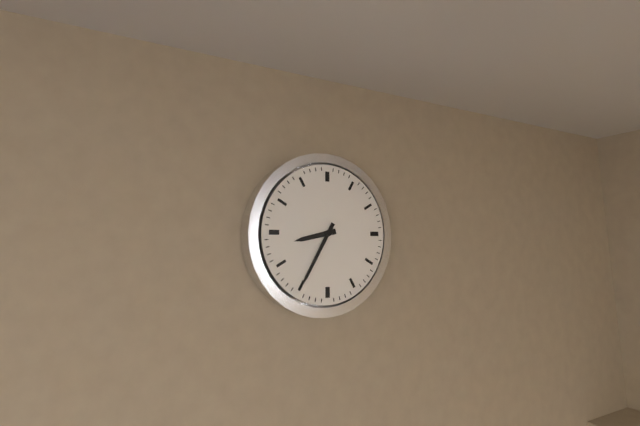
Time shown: **8:35**
